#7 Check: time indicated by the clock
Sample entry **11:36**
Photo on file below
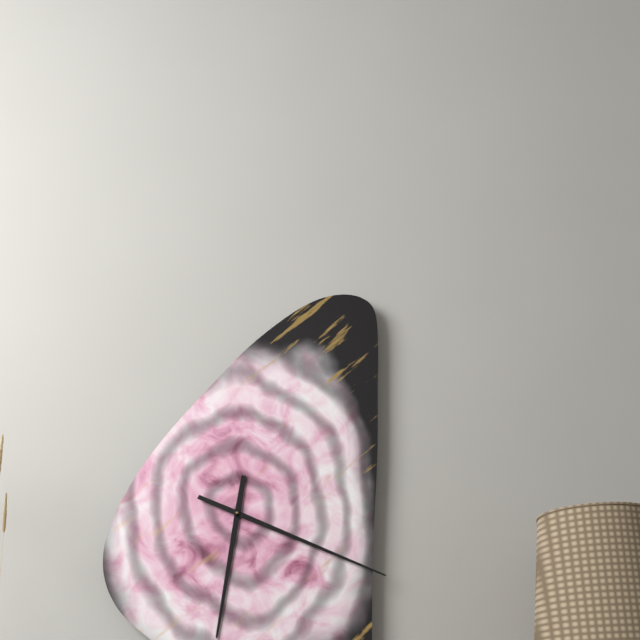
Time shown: **6:19**
